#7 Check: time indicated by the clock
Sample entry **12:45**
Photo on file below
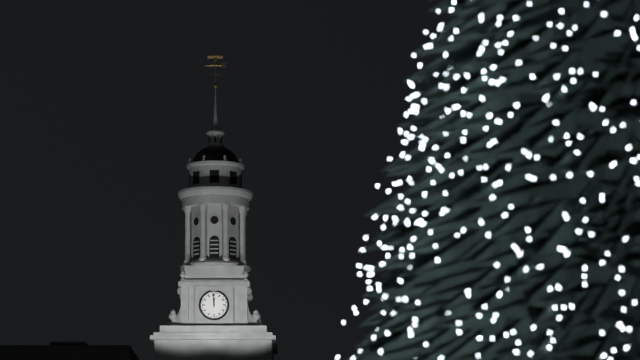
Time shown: **11:59**
